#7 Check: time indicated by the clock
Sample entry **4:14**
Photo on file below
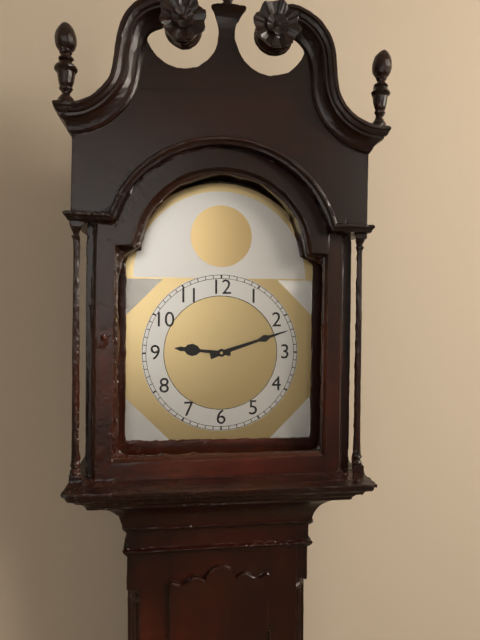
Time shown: **9:12**
